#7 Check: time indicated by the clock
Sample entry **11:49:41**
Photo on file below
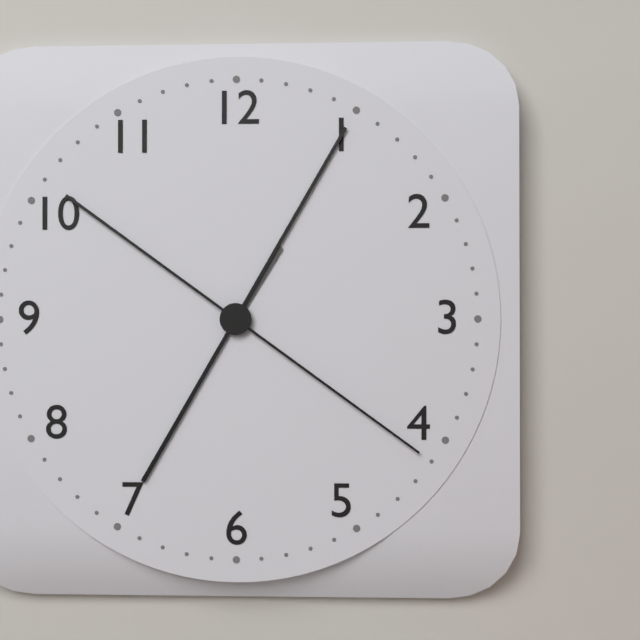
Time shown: **1:05:21**
